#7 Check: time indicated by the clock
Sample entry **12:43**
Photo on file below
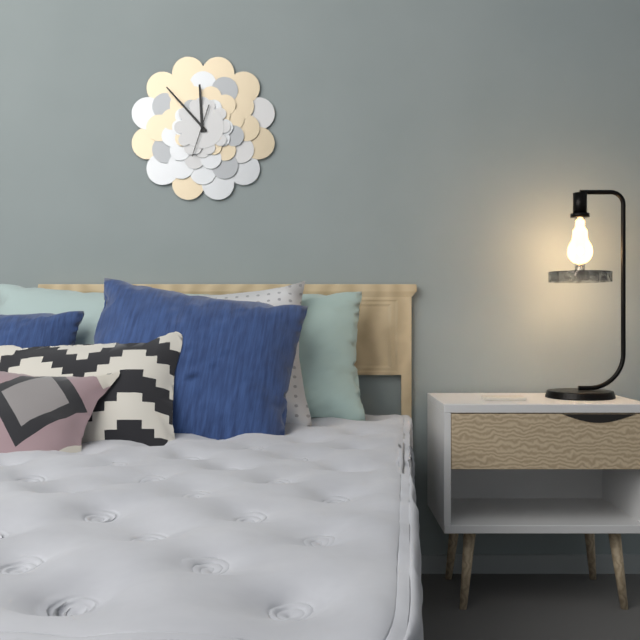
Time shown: **11:53**
